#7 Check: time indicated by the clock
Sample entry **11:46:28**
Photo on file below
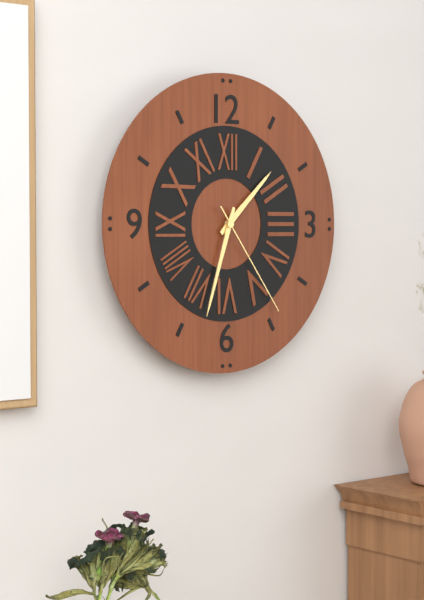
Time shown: **1:33:24**
